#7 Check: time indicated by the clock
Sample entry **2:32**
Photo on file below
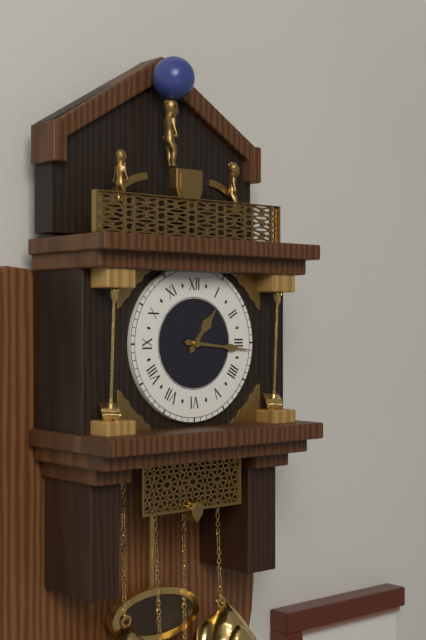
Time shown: **1:16**
